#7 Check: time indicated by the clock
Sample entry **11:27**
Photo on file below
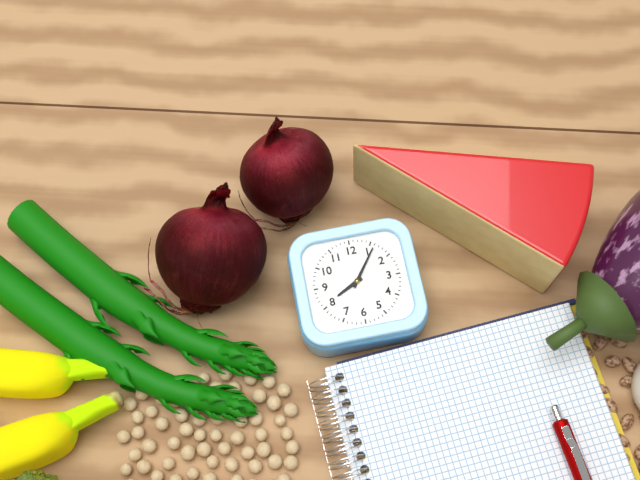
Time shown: **8:06**
